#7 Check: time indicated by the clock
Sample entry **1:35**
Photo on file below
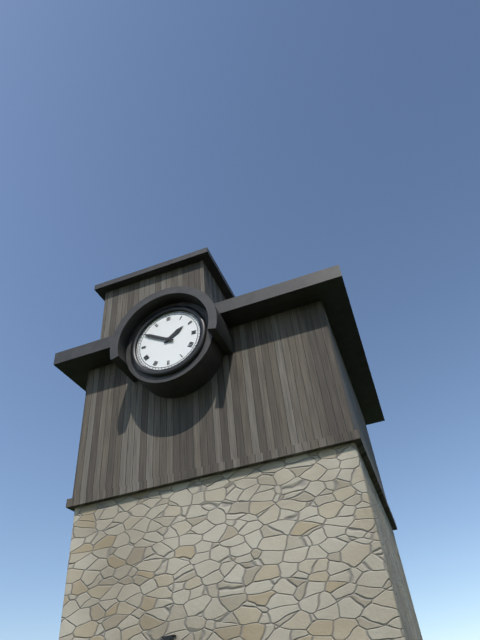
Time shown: **1:50**
